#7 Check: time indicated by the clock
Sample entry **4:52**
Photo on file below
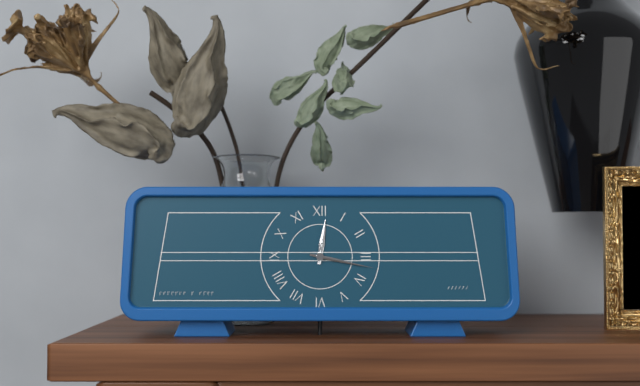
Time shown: **12:17**
